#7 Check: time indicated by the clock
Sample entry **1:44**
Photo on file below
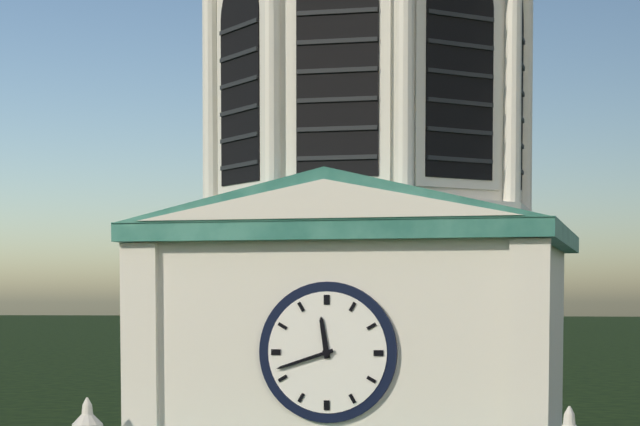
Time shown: **11:42**
